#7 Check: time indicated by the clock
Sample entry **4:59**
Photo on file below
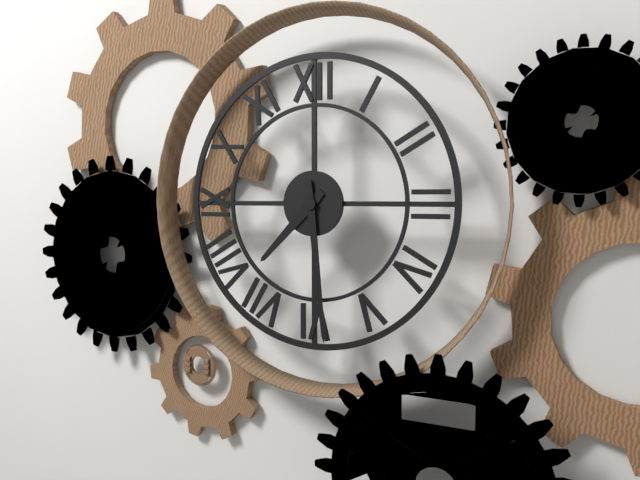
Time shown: **7:29**
